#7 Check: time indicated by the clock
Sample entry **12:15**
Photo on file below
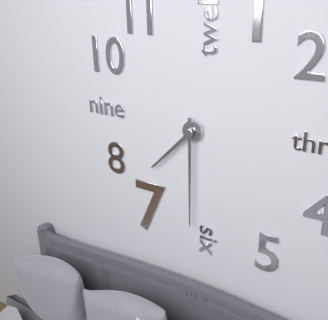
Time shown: **7:30**
